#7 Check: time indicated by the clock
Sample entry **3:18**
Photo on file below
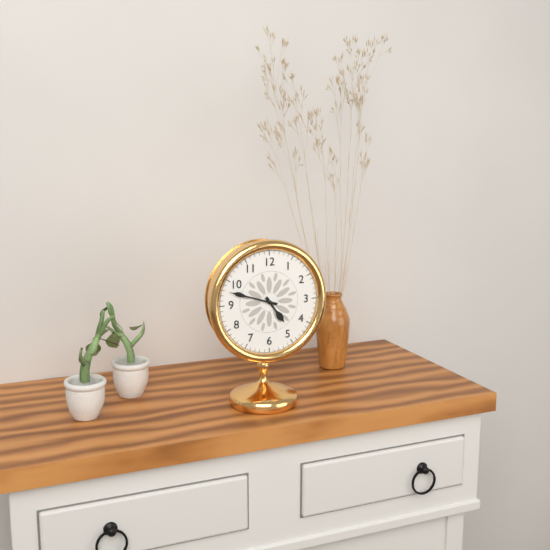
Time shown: **4:48**
